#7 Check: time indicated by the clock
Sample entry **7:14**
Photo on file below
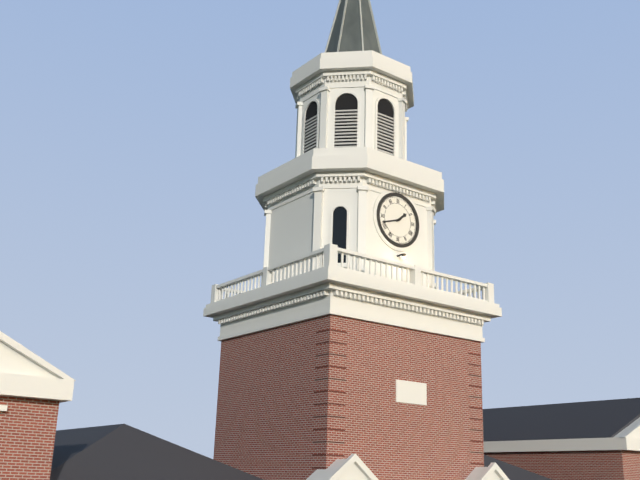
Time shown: **1:42**
